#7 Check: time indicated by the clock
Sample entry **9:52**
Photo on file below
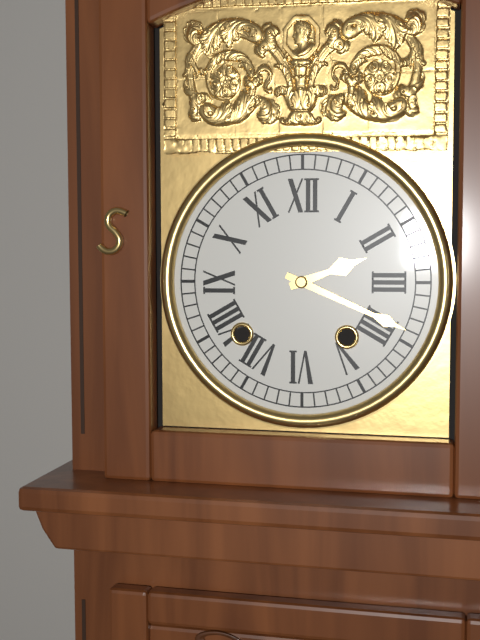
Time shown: **2:19**
